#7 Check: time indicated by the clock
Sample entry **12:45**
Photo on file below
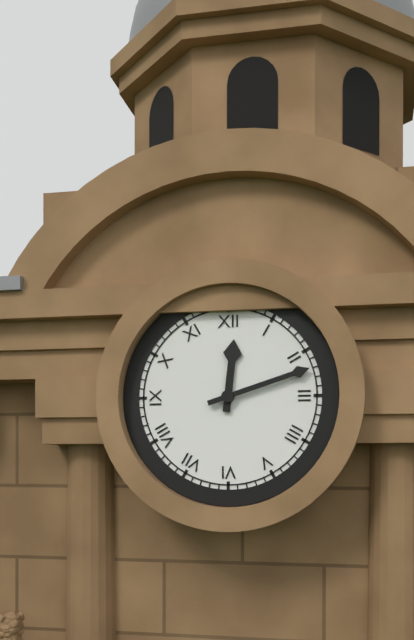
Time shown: **12:12**
